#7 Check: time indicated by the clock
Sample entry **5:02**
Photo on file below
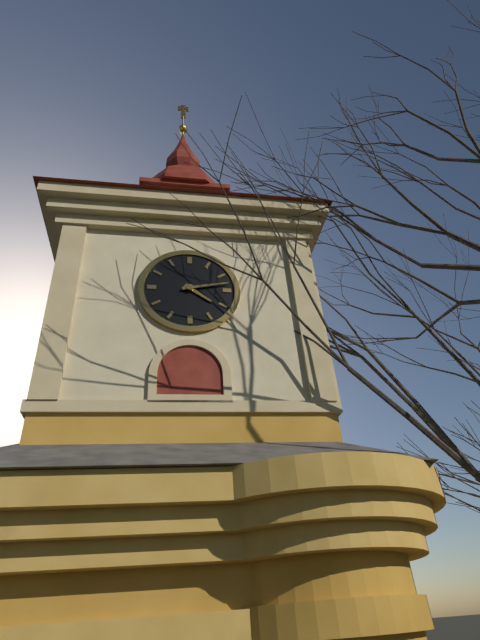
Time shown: **4:13**
